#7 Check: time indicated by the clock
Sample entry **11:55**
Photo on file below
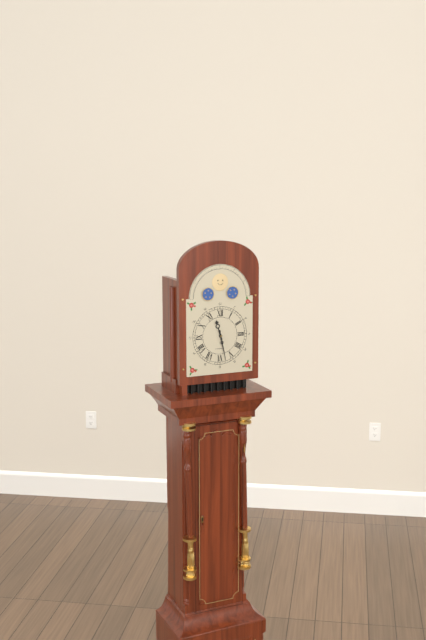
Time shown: **11:28**
